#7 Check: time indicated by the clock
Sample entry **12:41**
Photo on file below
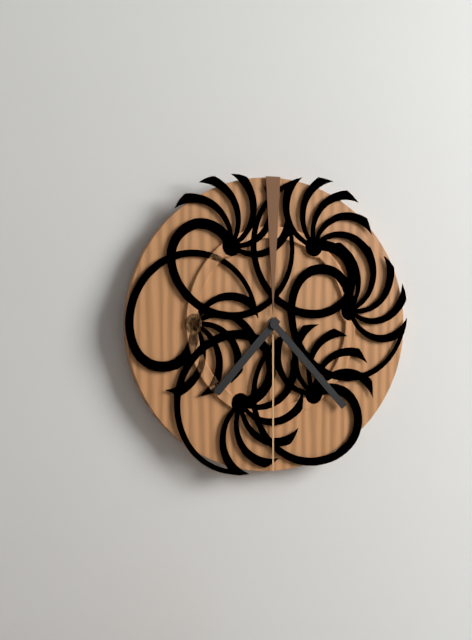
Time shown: **7:23**
